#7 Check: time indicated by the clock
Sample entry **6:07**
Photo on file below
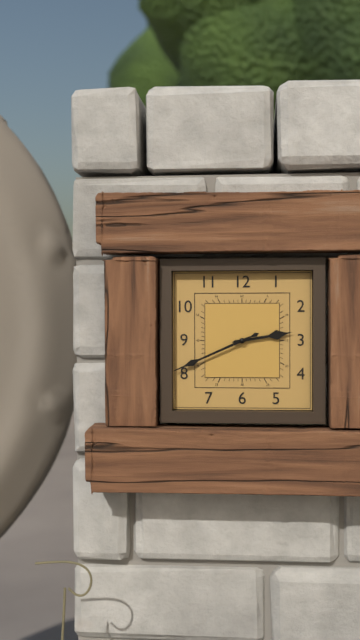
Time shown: **2:41**
